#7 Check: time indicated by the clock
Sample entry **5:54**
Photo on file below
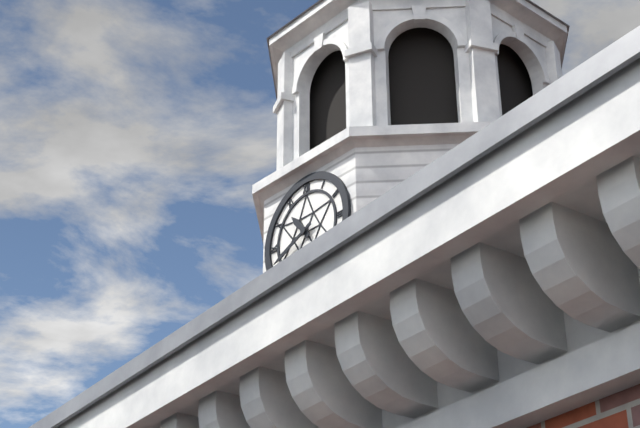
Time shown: **10:41**
